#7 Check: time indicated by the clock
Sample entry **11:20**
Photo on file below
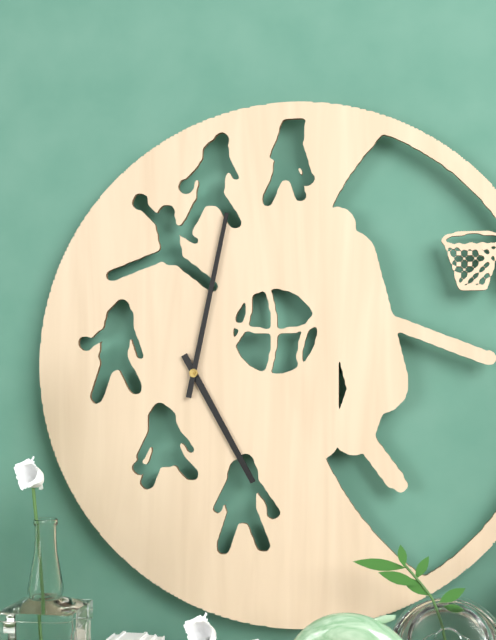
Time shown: **5:02**
